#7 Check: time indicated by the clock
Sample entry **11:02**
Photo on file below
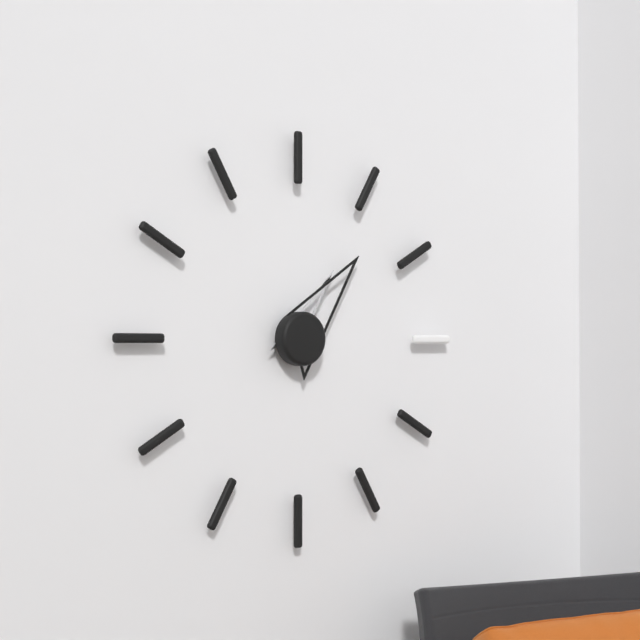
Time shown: **1:07**
